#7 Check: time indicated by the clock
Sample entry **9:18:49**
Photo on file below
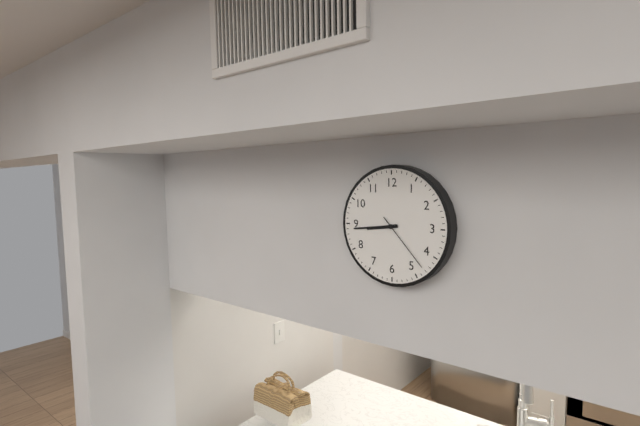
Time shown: **8:44:23**
